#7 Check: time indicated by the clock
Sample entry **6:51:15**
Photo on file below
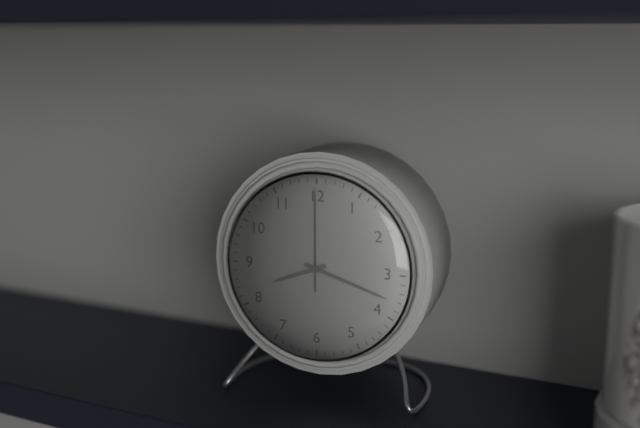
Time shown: **8:18:00**
